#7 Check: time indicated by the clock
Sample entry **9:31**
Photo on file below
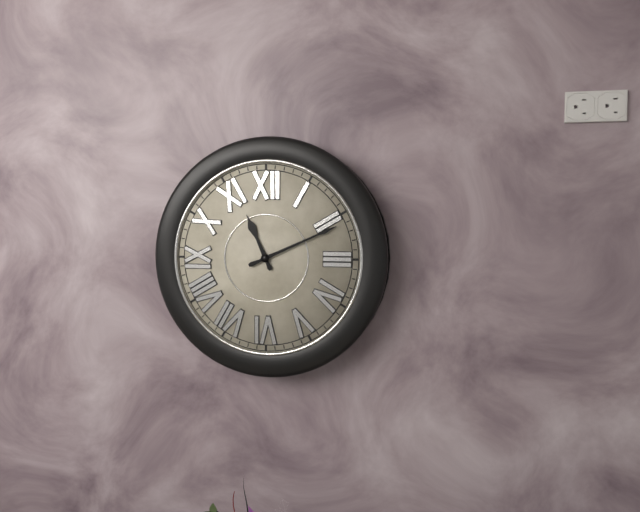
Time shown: **11:11**
